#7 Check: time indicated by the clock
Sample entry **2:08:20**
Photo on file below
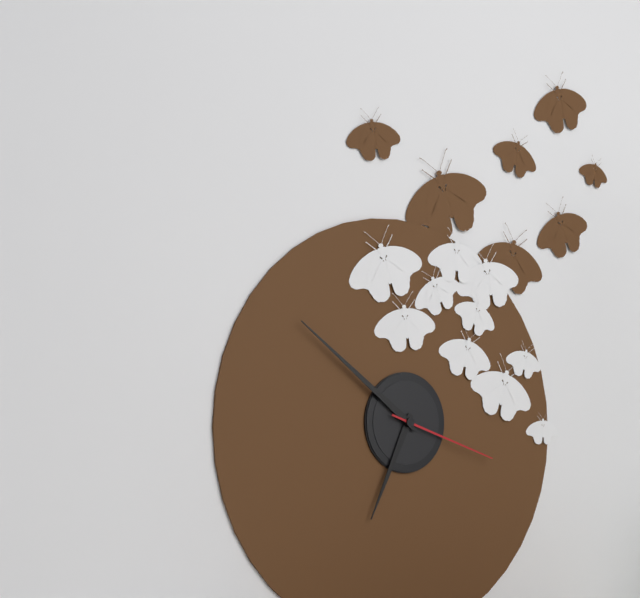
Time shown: **6:51:18**
